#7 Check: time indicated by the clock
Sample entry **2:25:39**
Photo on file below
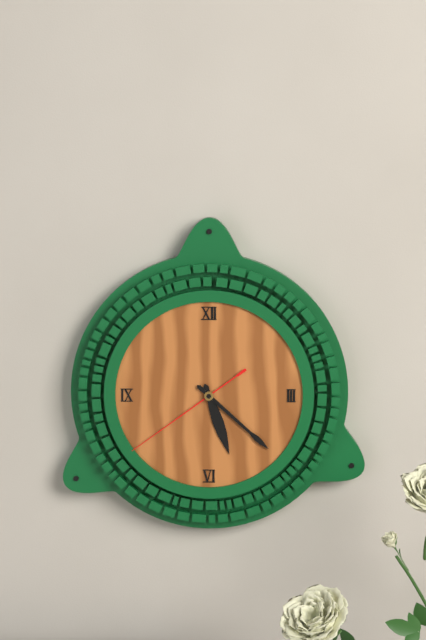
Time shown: **5:22:39**
